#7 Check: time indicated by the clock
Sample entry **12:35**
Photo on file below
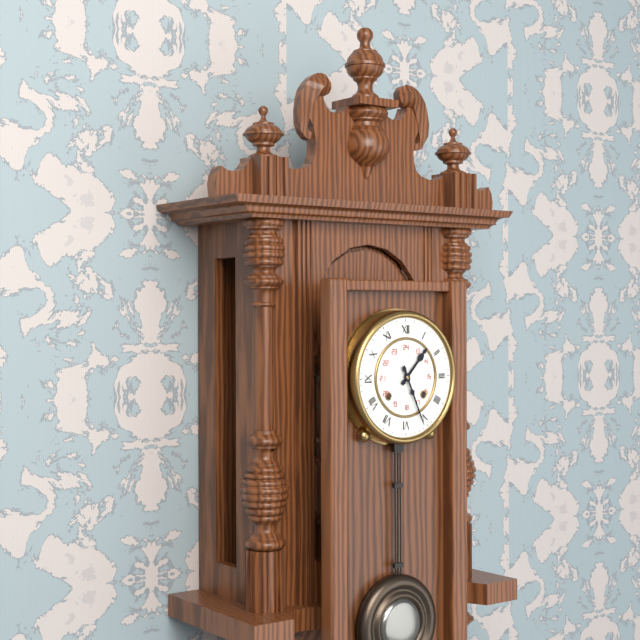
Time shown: **1:26**
